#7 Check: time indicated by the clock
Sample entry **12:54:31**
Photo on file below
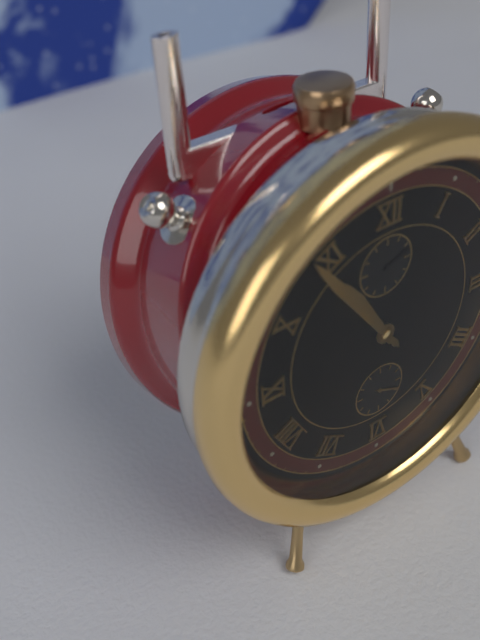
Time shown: **10:54:19**
